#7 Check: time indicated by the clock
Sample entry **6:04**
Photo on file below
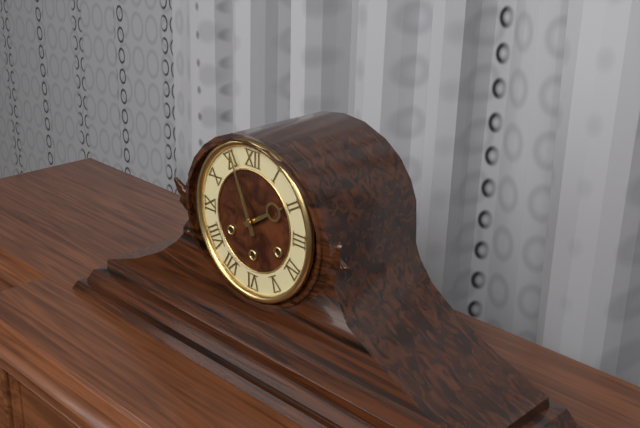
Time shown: **1:56**
